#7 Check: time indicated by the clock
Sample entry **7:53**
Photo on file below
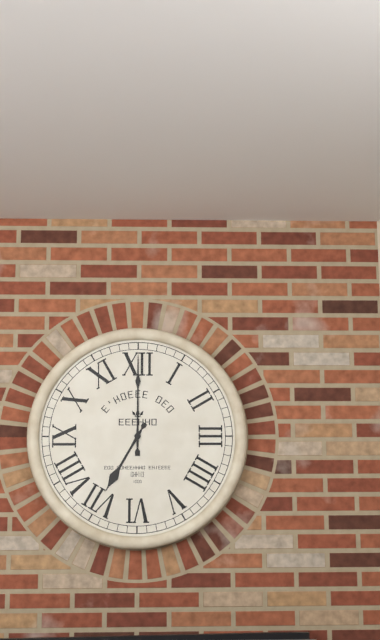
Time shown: **7:00**
